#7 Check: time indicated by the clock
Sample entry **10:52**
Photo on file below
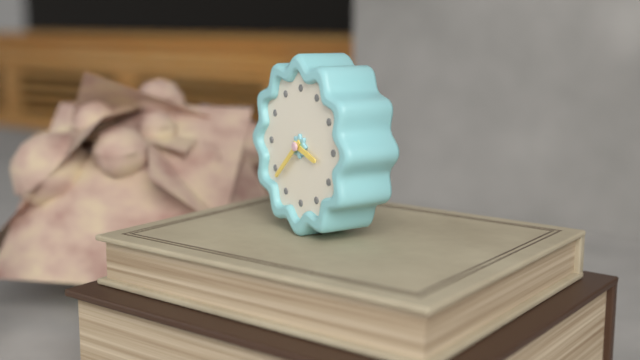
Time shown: **3:38**
